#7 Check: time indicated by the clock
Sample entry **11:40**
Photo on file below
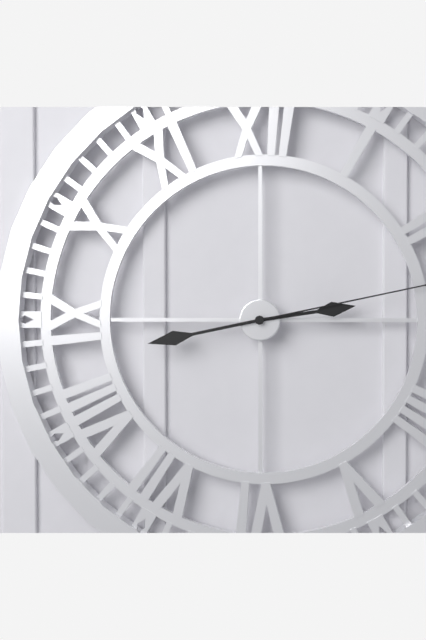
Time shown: **2:43**
